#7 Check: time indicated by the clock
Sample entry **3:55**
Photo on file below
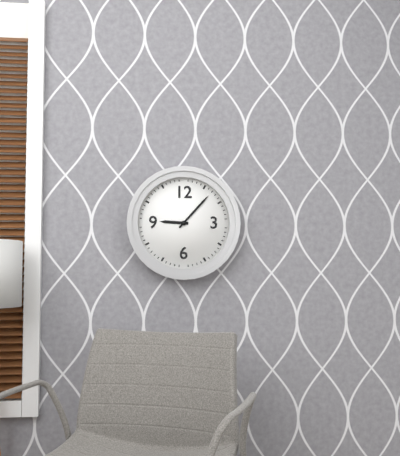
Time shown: **9:07**
